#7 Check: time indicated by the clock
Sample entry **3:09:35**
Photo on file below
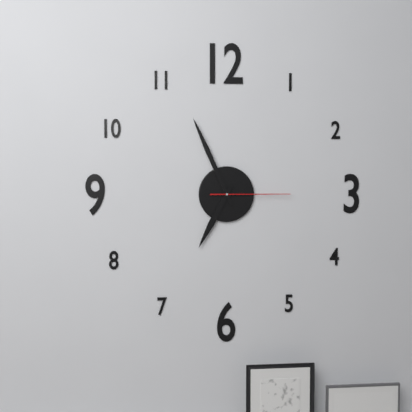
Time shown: **6:56:15**
